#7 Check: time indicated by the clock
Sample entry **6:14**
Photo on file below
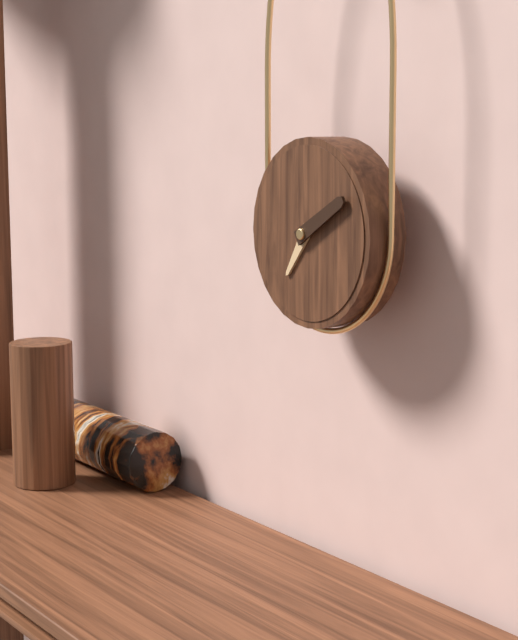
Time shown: **7:10**
